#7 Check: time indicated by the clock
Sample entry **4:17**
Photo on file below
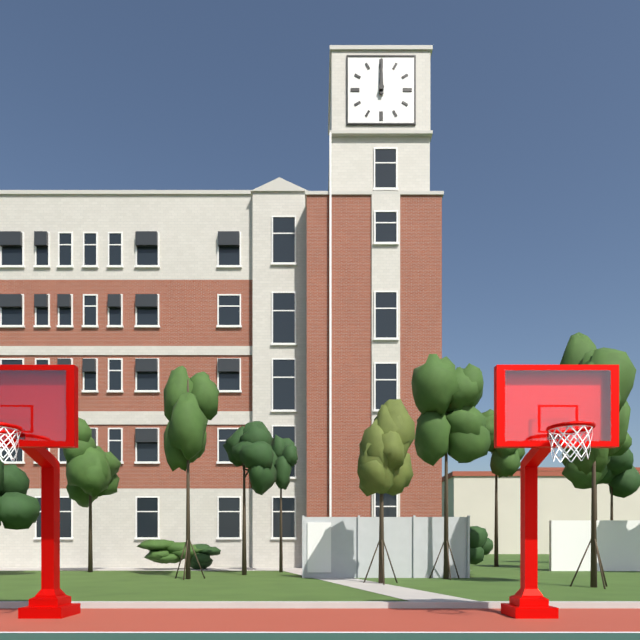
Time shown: **12:00**
